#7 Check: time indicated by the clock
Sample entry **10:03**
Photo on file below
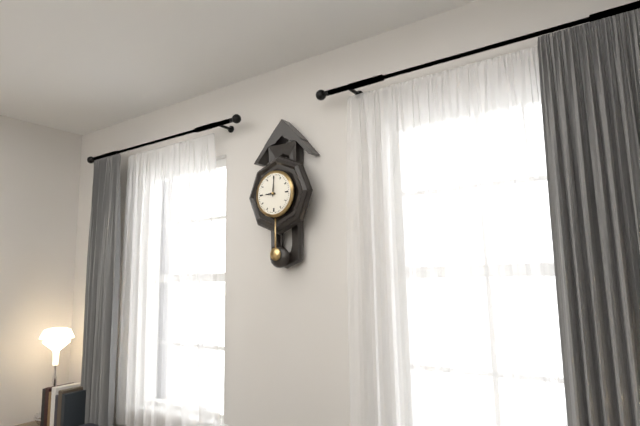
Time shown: **9:01**
